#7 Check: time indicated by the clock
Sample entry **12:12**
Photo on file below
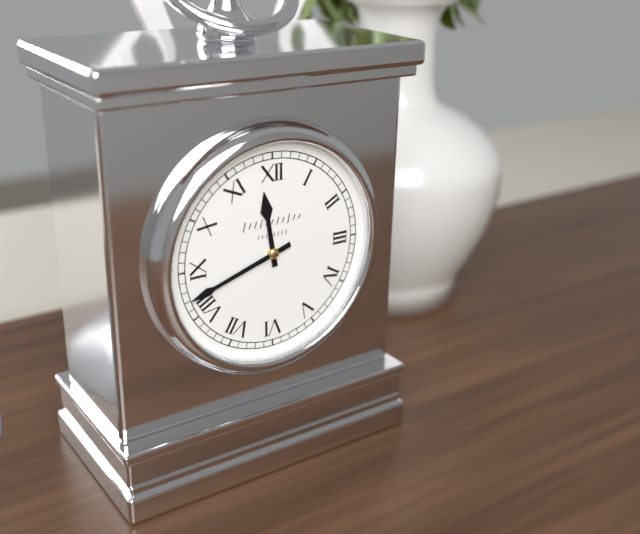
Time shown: **11:42**
